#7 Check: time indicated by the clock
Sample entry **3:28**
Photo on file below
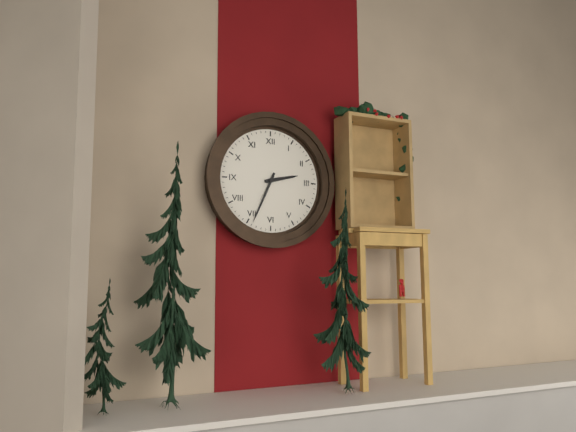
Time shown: **2:34**
